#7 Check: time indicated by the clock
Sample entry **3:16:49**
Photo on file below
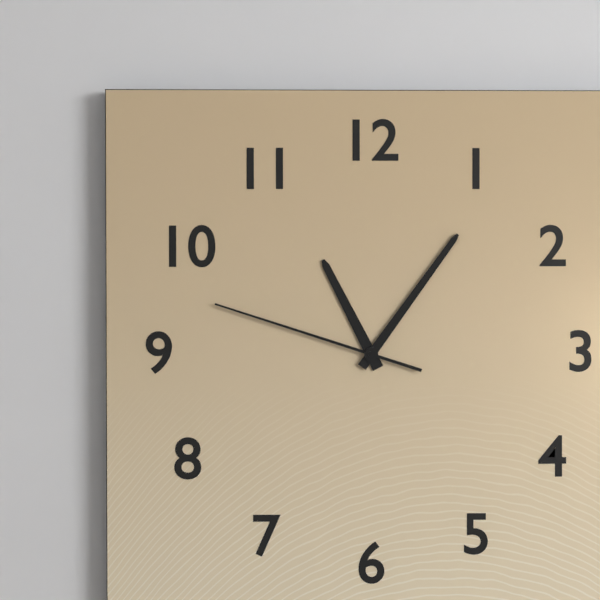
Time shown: **11:06:48**
